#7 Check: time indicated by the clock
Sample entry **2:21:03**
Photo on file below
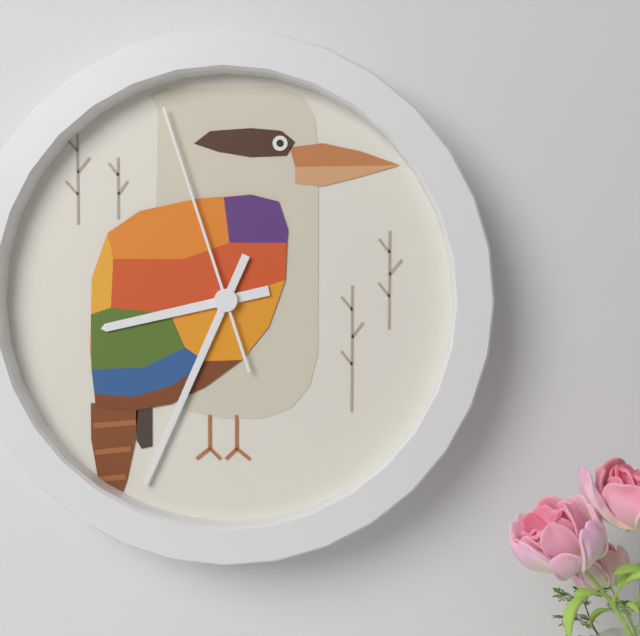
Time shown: **8:34:57**
